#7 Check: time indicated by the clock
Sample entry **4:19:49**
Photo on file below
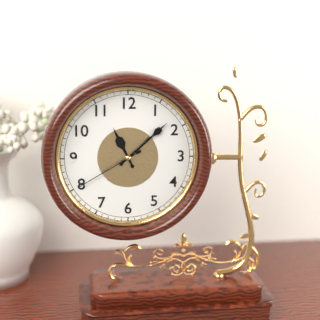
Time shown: **11:08:40**
